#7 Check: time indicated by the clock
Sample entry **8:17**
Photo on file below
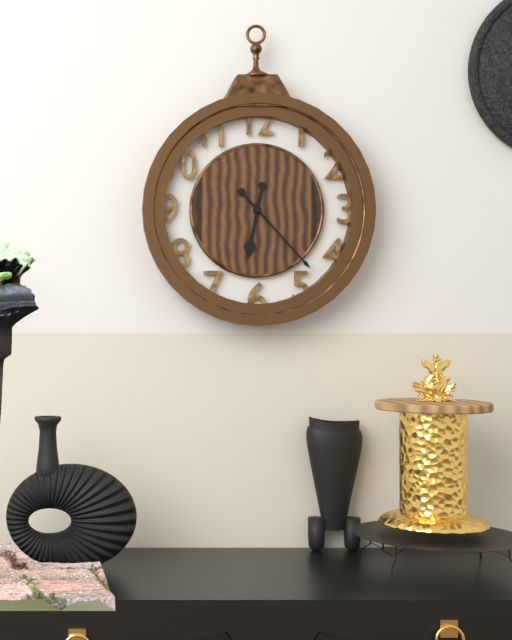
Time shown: **6:23**
